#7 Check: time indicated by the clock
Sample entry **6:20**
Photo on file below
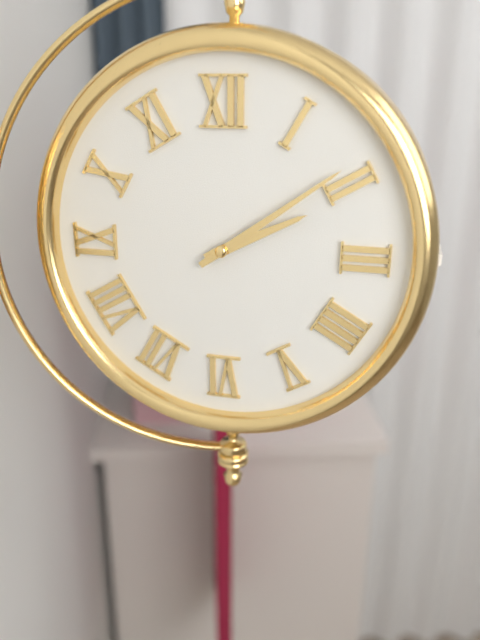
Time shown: **2:09**
